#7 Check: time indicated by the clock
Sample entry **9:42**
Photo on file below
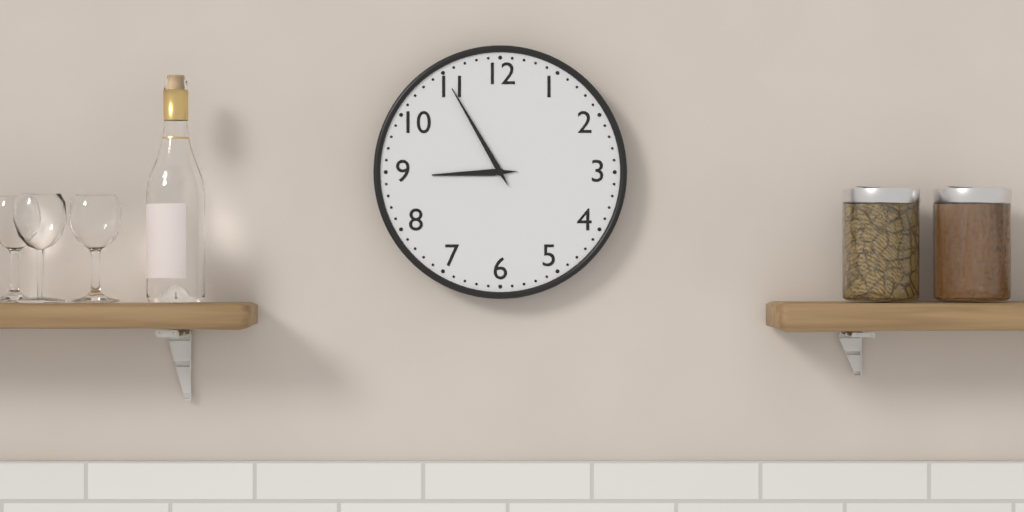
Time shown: **8:55**
